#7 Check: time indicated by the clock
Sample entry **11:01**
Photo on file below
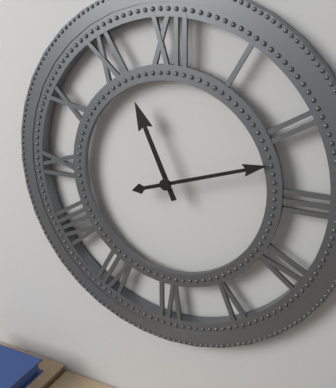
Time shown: **11:12**
